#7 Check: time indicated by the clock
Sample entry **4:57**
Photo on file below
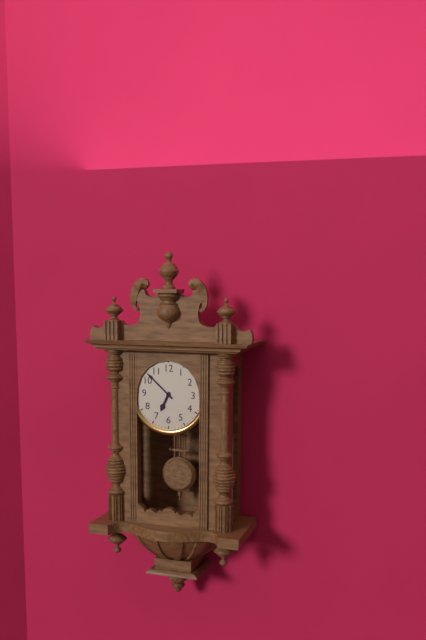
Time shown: **6:52**
